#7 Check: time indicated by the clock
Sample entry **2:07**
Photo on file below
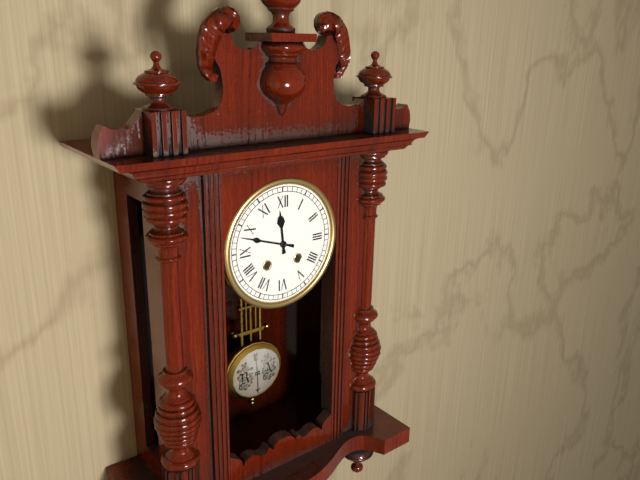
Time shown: **11:48**
